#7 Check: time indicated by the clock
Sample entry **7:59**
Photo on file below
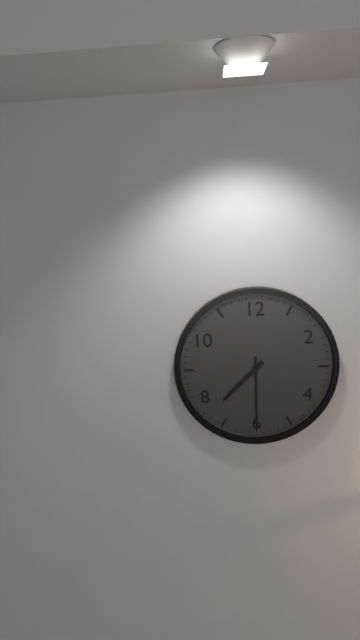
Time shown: **7:30**
